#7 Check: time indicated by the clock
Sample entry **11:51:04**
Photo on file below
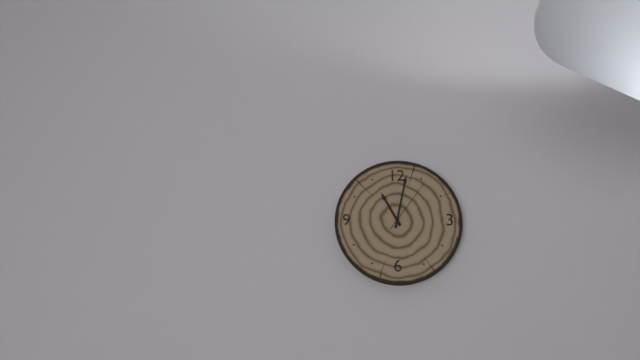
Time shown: **11:02:06**
